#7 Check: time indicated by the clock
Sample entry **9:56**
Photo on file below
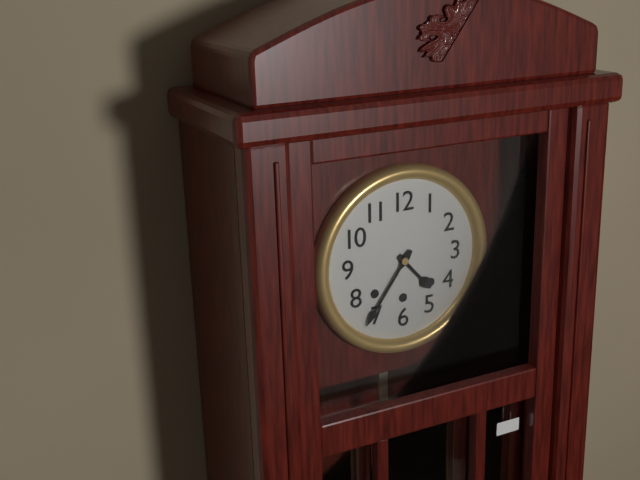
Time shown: **4:36**
